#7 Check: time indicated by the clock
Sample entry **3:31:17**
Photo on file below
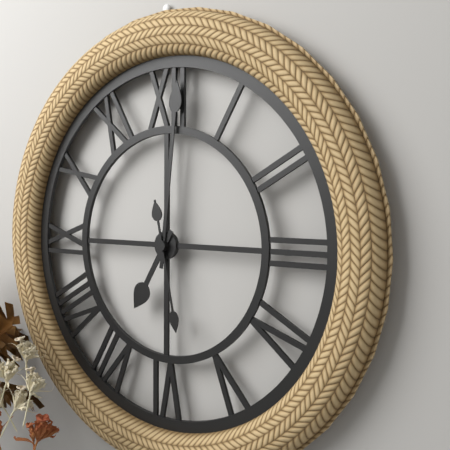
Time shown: **7:01:28**
